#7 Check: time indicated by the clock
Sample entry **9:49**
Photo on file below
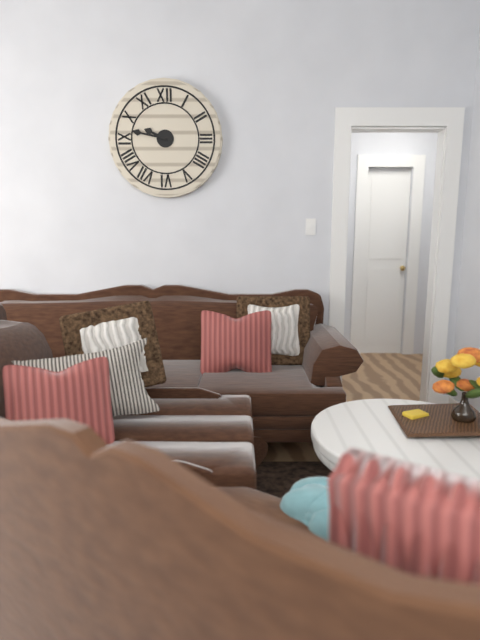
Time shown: **9:47**
